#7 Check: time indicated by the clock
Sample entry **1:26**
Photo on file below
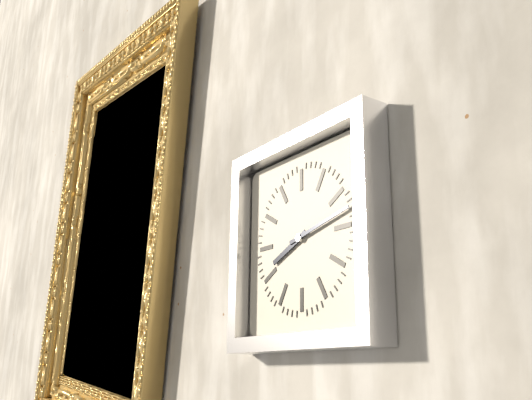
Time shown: **8:13**
